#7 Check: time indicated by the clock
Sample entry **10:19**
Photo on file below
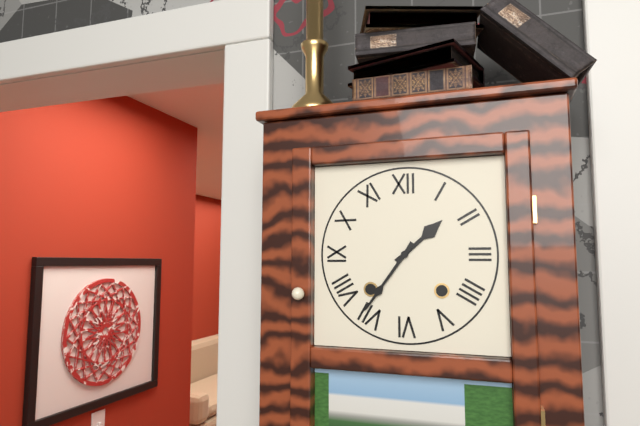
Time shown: **1:36**
